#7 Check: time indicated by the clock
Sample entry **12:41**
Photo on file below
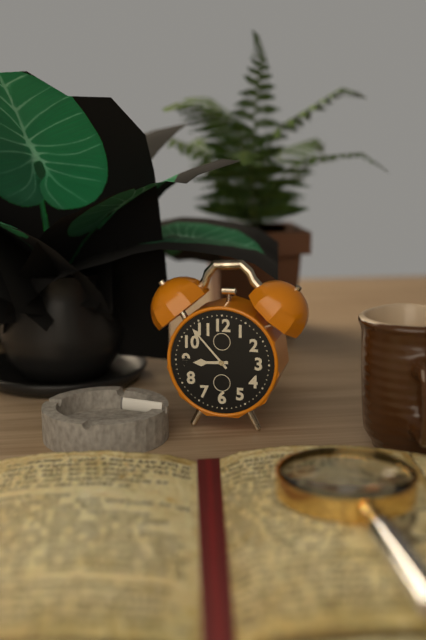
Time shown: **8:53**
